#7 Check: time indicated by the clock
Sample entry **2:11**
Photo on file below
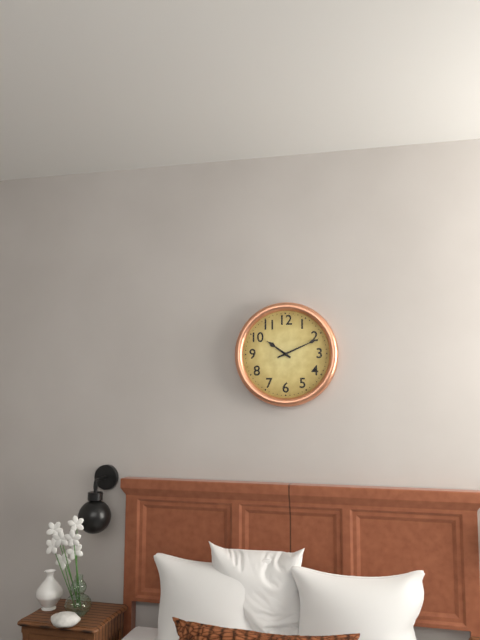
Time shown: **10:11**
